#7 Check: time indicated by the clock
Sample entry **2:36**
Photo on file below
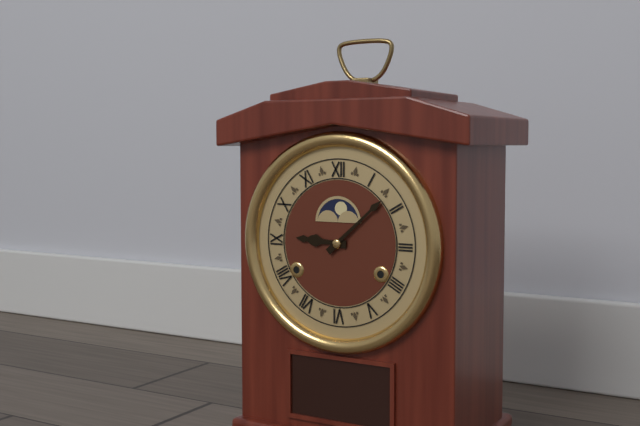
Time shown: **9:08**
